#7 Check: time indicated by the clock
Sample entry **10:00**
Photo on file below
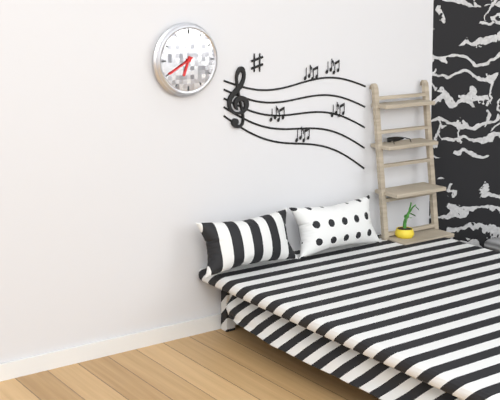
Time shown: **6:40**
